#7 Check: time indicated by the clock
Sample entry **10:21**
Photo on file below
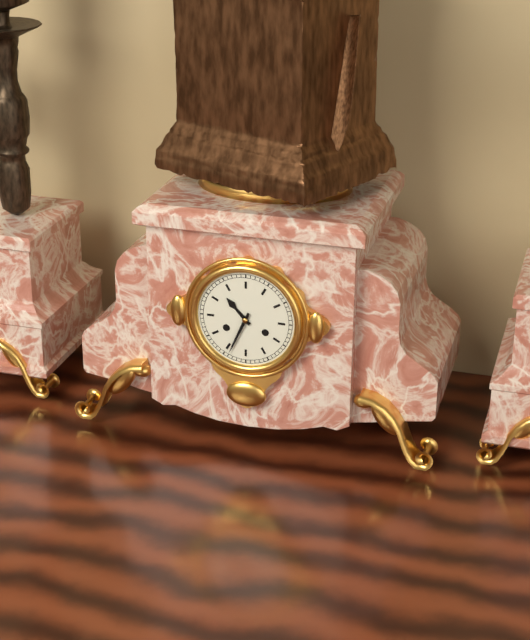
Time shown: **10:34**
